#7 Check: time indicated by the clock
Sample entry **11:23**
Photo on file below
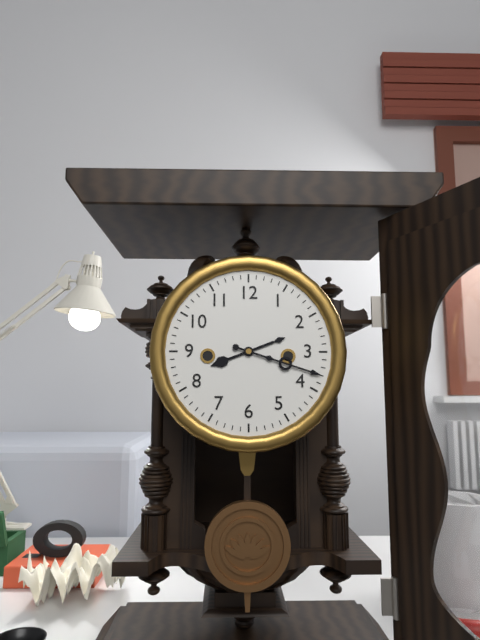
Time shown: **8:18**
